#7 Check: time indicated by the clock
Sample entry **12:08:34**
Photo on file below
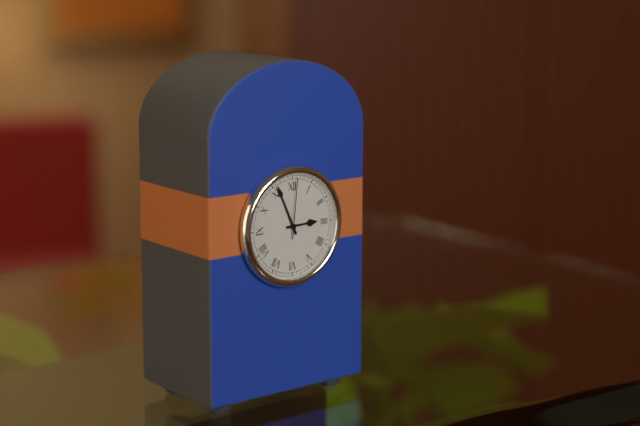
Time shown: **2:56:01**
